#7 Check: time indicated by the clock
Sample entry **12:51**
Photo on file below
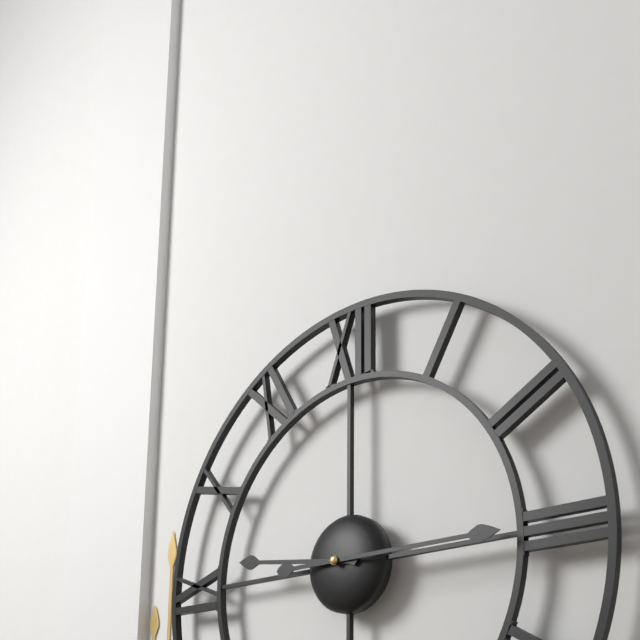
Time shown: **9:15**
